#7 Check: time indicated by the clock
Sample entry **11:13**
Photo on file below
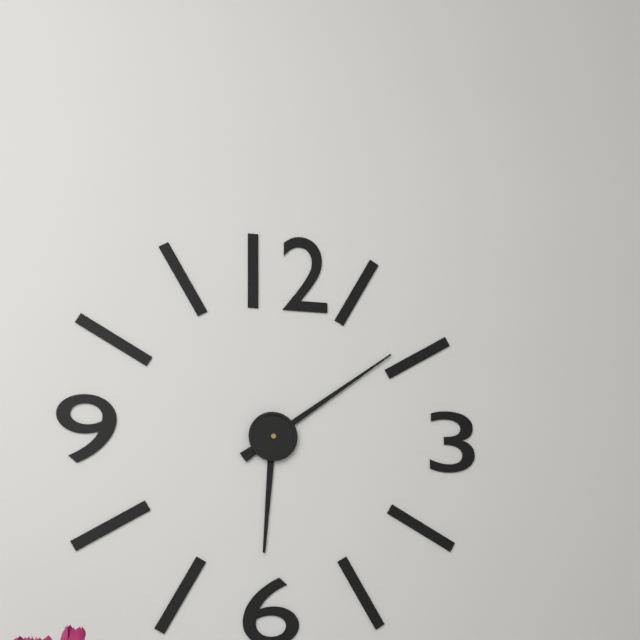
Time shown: **6:09**
